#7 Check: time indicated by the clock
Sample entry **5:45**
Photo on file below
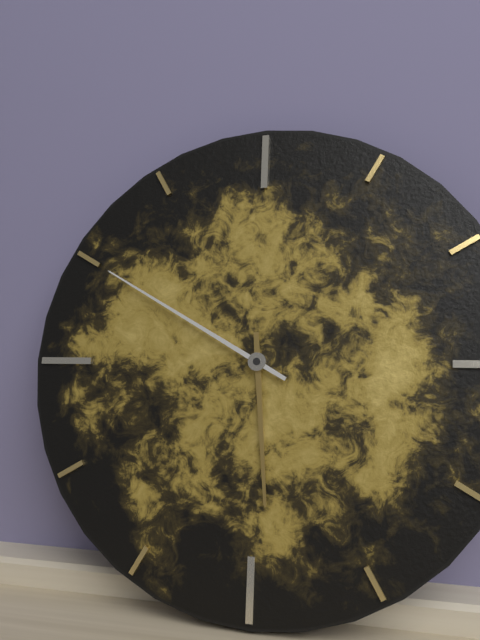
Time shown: **5:50**
